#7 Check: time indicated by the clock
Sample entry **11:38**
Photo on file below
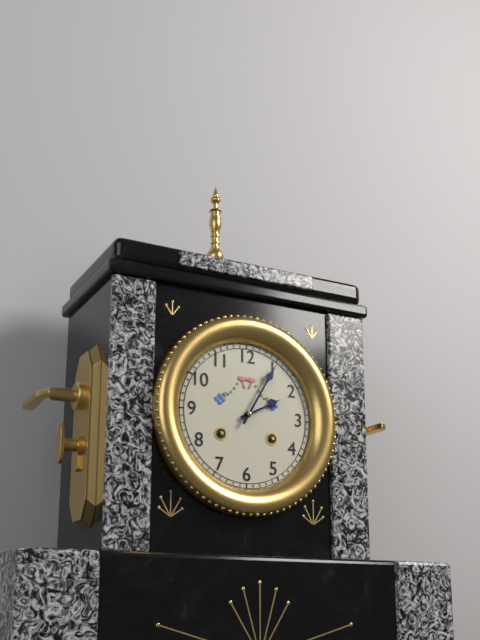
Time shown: **2:05**
